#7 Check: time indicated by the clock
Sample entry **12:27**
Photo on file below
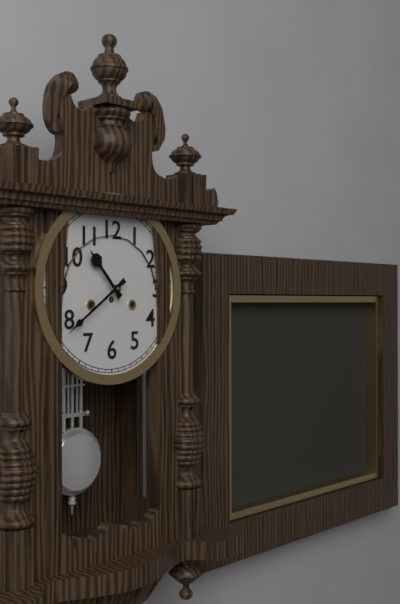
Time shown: **10:39**
